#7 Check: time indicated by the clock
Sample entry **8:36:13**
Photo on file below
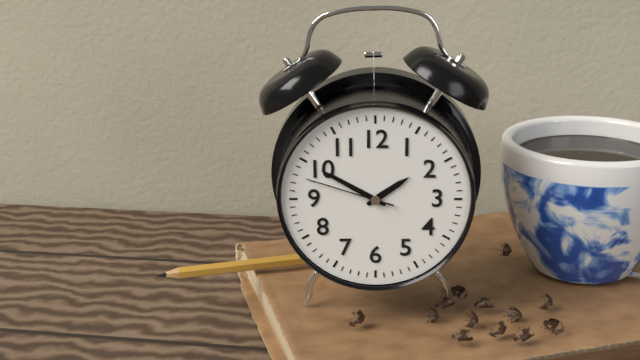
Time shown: **1:50:48**
